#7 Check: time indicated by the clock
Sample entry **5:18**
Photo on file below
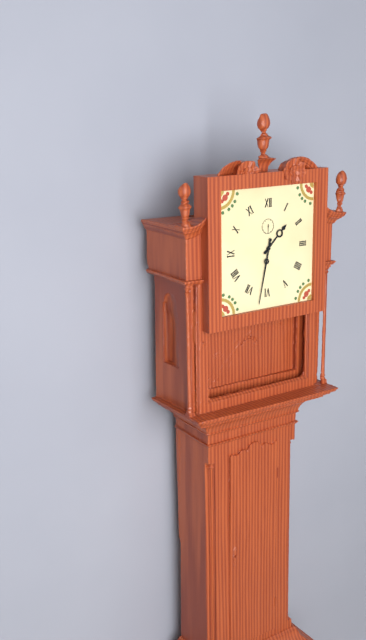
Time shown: **1:32**
